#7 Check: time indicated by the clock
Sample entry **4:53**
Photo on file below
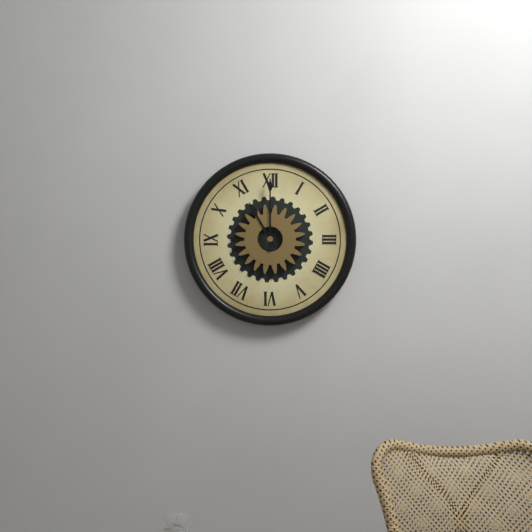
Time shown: **11:00**
